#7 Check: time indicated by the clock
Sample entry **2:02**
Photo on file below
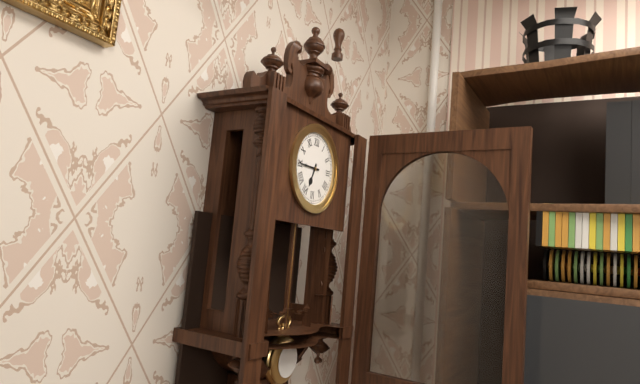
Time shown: **6:45**
